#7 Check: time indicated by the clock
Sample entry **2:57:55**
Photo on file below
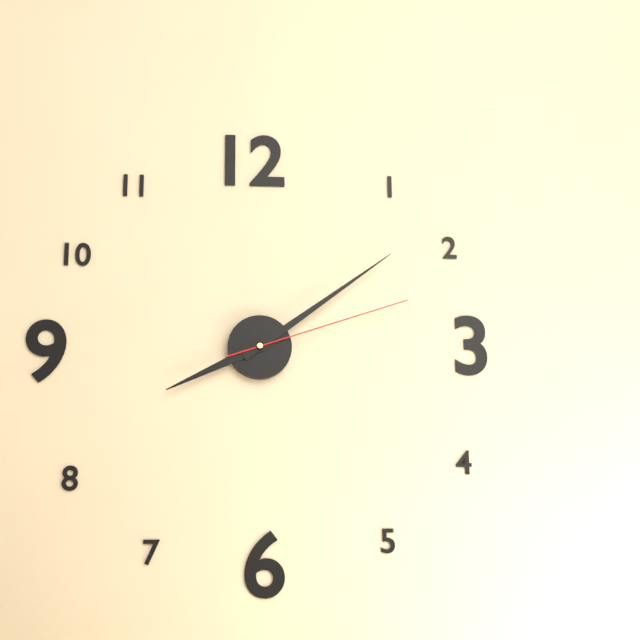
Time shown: **8:09:12**
